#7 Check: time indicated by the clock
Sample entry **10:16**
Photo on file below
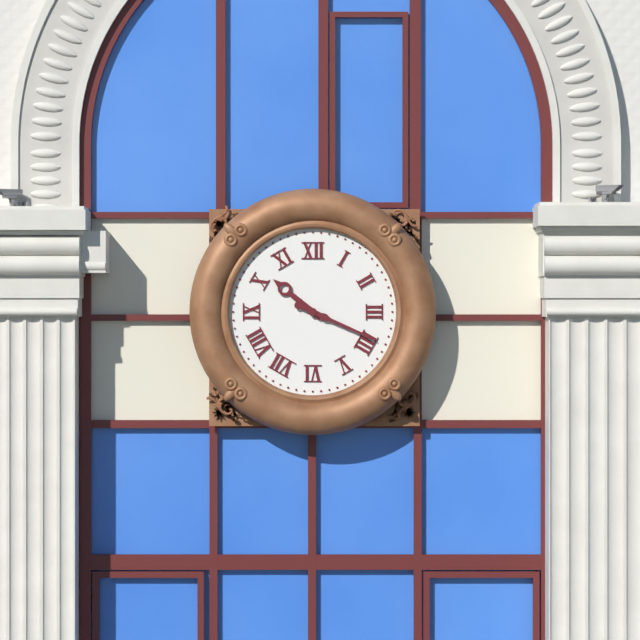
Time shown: **10:19**
